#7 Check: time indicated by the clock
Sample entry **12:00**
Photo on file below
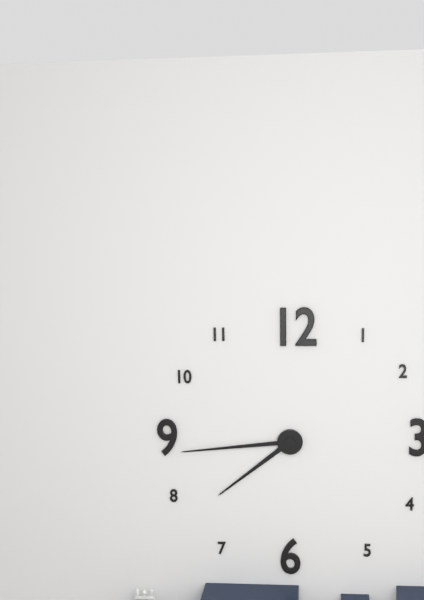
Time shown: **7:44**
